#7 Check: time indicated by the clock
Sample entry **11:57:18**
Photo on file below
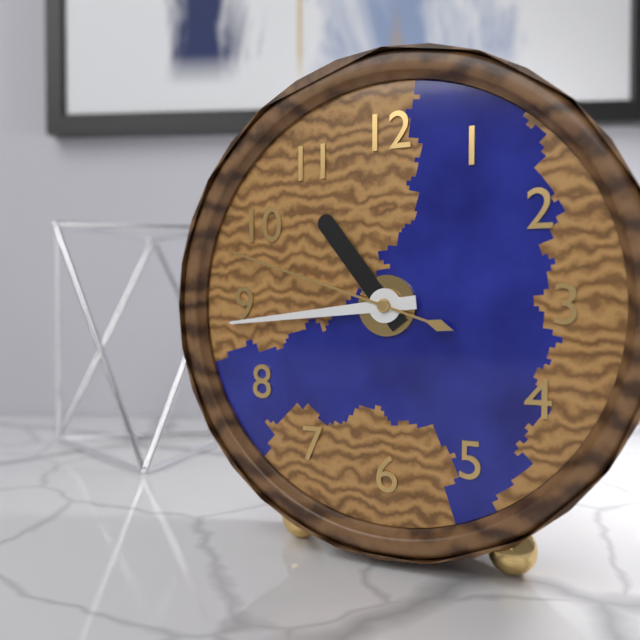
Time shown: **10:44:48**
